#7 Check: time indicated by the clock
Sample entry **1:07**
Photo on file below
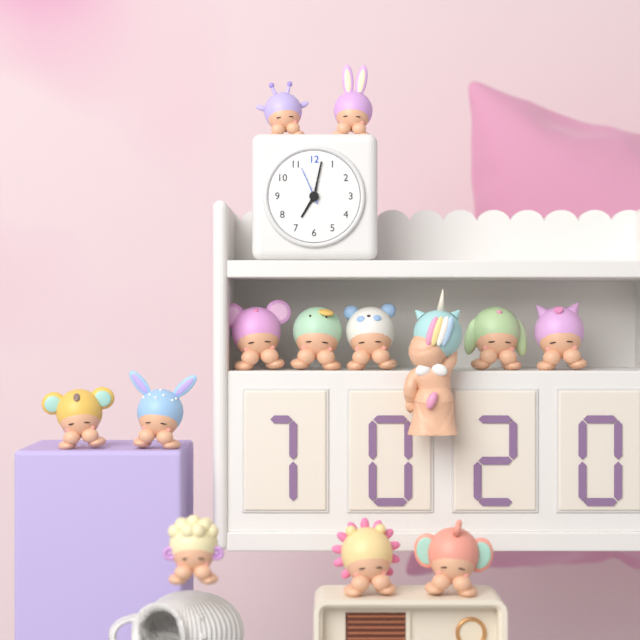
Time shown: **7:02**
